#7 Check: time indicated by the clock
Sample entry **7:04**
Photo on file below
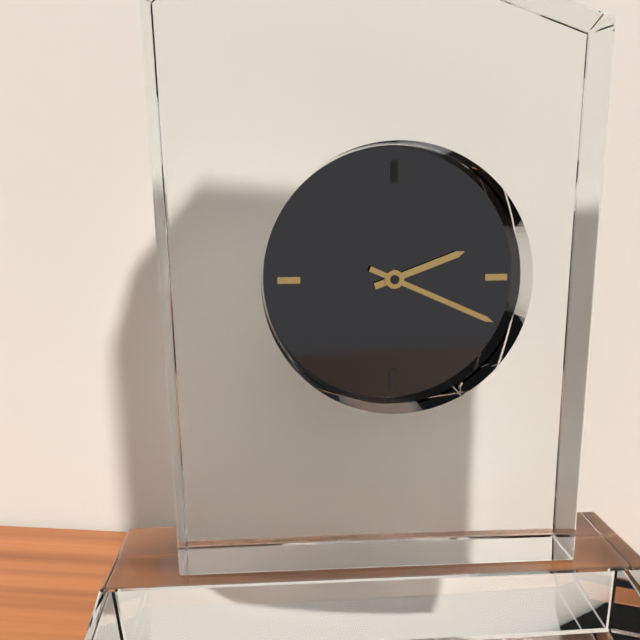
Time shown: **2:19**
